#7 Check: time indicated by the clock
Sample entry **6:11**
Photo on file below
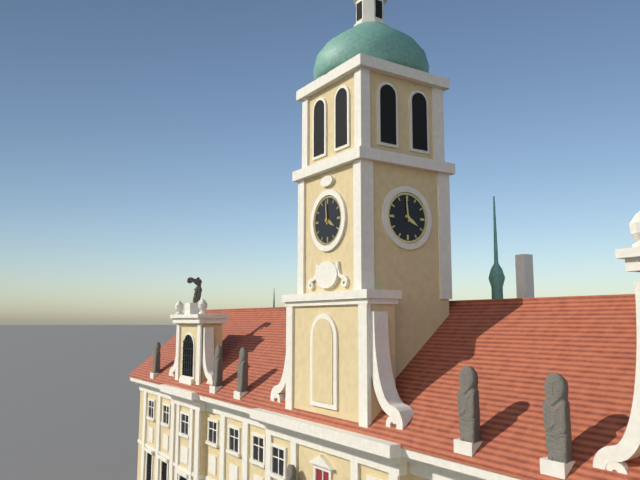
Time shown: **3:59**
